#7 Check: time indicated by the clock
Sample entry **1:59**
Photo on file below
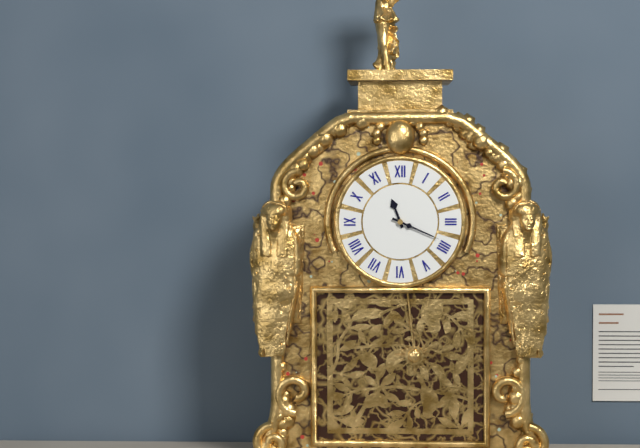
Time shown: **11:19**
